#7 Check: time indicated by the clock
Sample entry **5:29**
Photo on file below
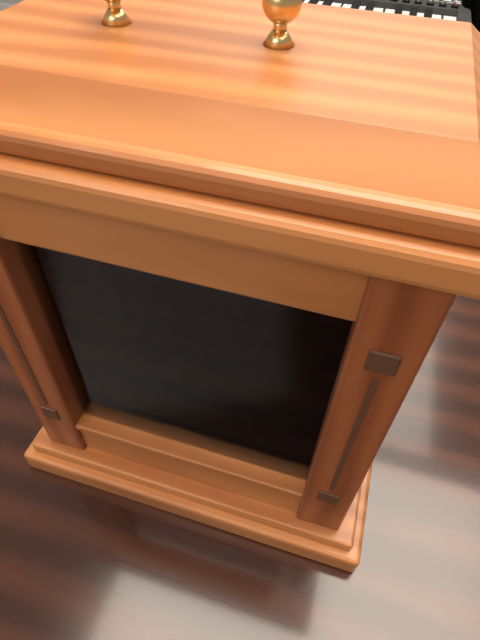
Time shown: **8:22**
